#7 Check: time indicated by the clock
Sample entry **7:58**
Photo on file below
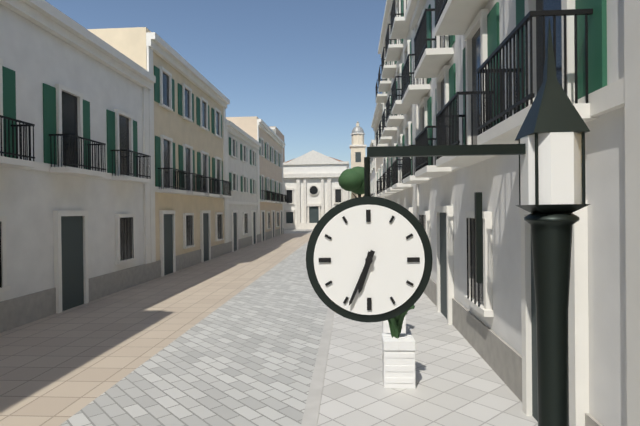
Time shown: **6:34**
